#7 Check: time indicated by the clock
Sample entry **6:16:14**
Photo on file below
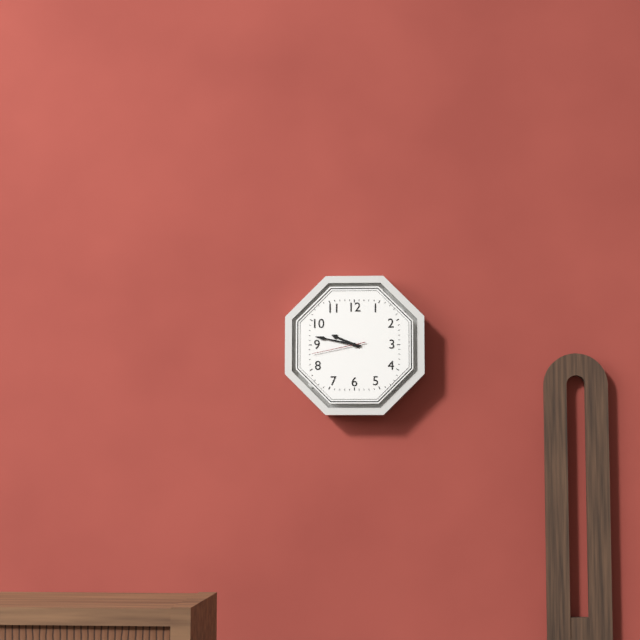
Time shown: **9:47:43**
